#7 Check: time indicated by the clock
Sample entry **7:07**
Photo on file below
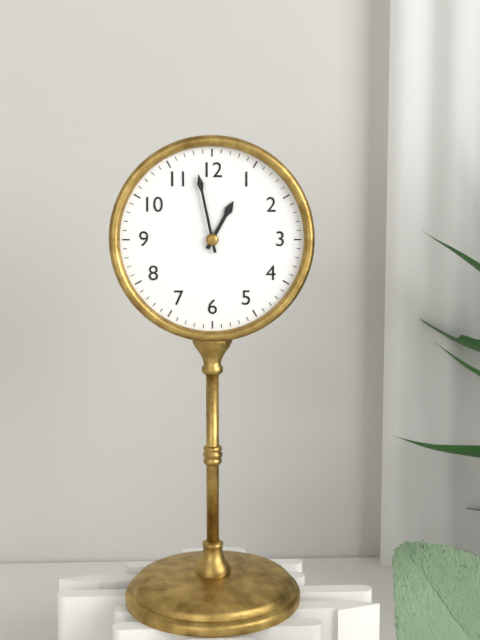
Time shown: **12:58**
